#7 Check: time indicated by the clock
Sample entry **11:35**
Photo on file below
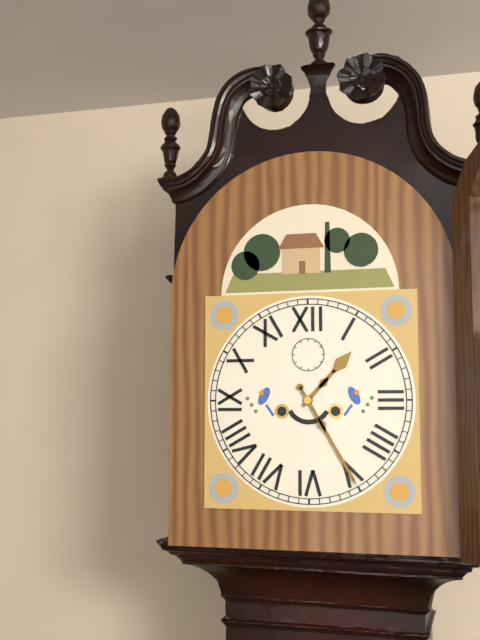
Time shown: **1:25**
